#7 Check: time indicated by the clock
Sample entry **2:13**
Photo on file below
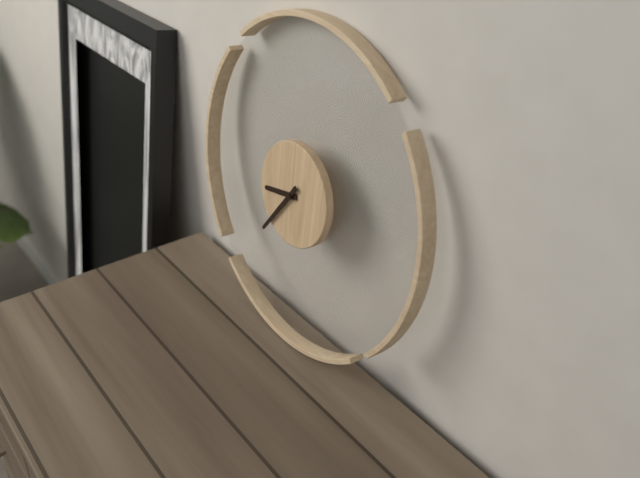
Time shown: **8:36**
